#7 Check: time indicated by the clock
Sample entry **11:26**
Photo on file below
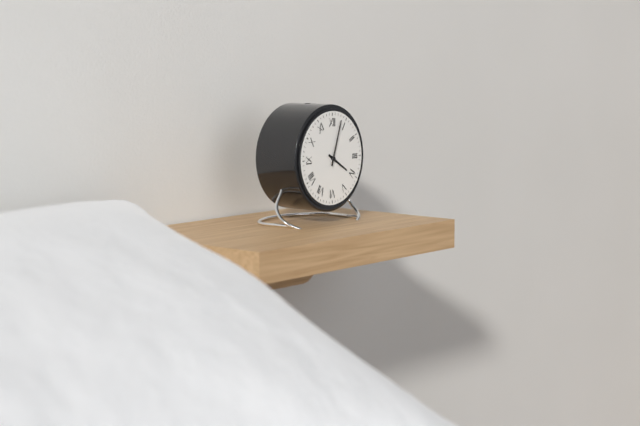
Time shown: **4:03**
